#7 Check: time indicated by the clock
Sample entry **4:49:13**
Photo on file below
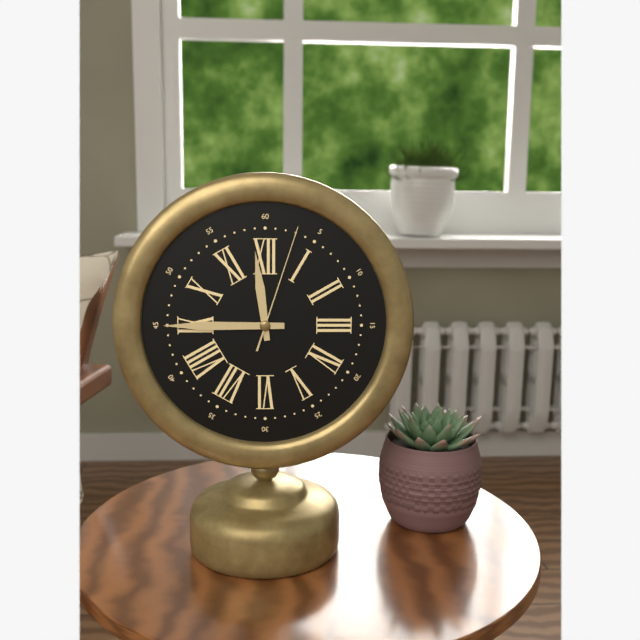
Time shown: **11:45:03**
